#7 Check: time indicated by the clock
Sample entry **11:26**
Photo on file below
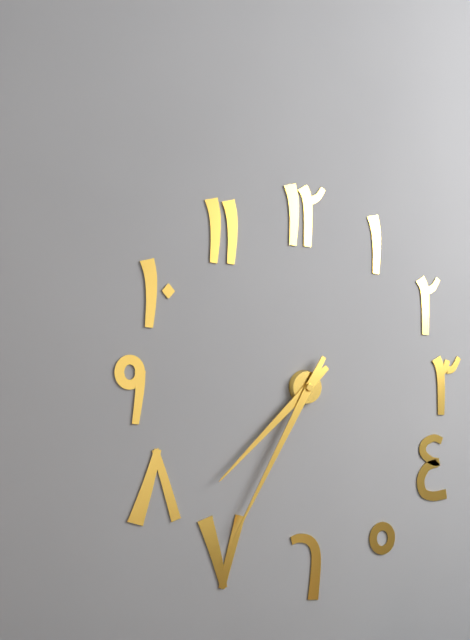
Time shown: **7:35**
